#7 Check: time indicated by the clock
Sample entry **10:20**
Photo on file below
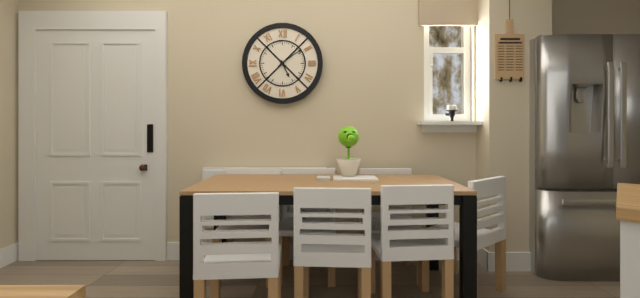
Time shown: **5:09**
